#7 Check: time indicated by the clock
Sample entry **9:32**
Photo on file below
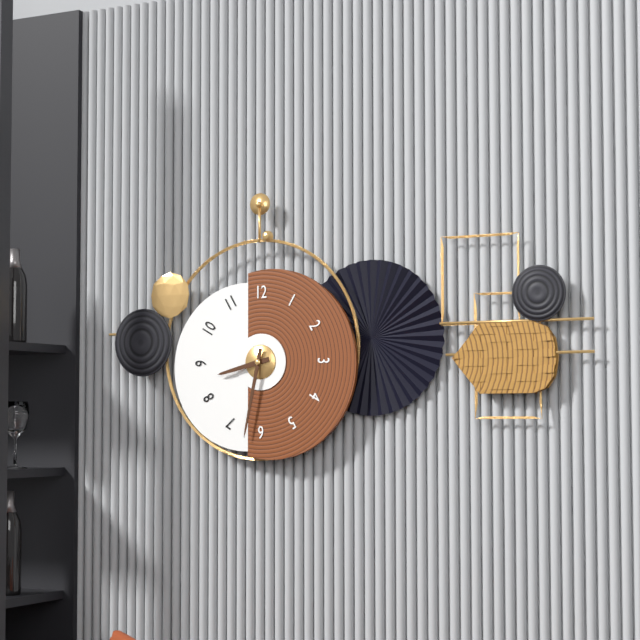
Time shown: **8:32**
